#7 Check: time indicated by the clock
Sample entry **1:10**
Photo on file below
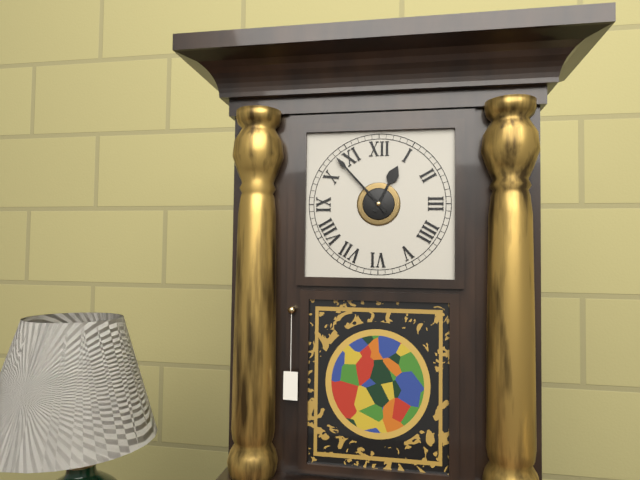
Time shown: **12:53**
